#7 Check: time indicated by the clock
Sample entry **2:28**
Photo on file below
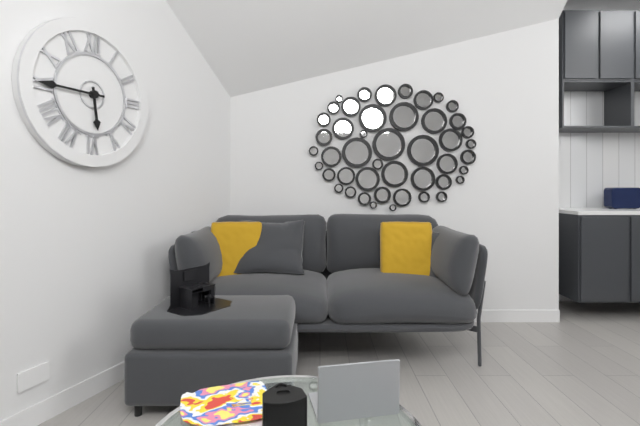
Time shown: **5:45**
